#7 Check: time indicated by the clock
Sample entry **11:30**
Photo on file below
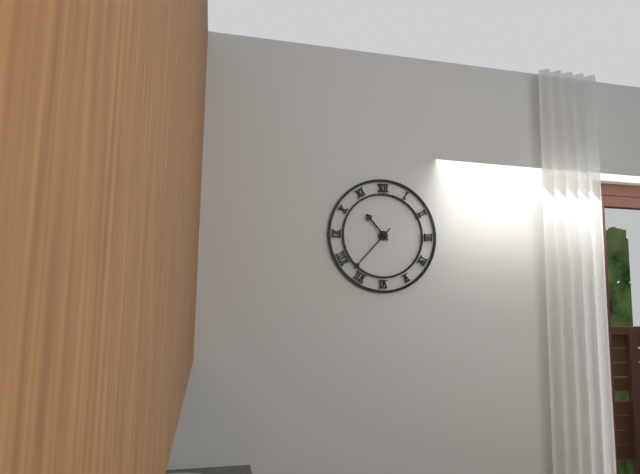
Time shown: **10:37**
